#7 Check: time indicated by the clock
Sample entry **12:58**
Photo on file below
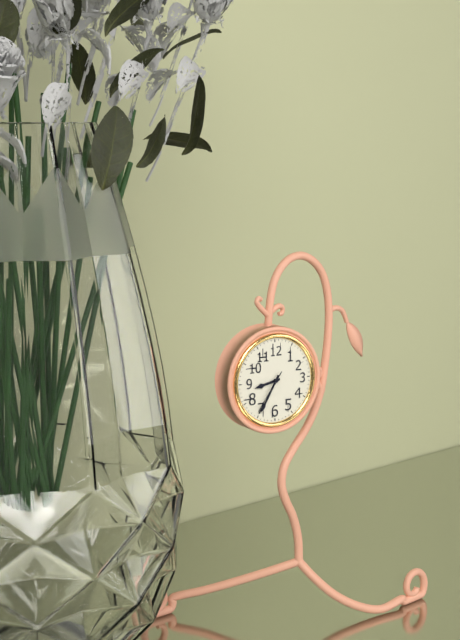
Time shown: **8:35**
